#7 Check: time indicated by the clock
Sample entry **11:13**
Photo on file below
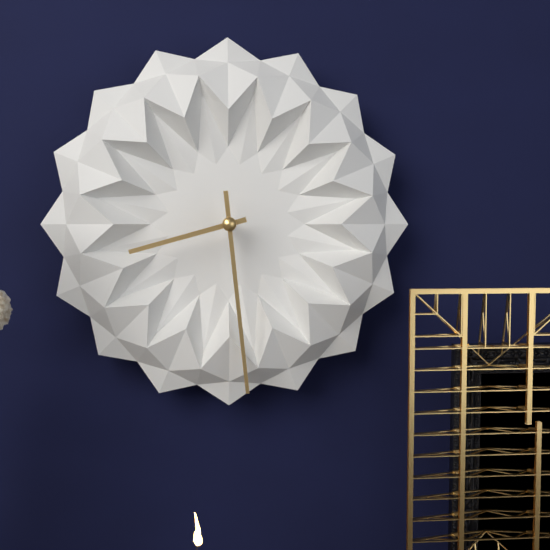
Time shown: **8:29**
